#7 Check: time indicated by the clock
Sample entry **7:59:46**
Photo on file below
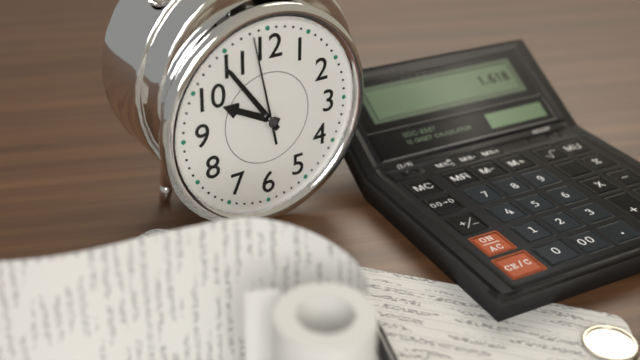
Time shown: **9:54:58**
